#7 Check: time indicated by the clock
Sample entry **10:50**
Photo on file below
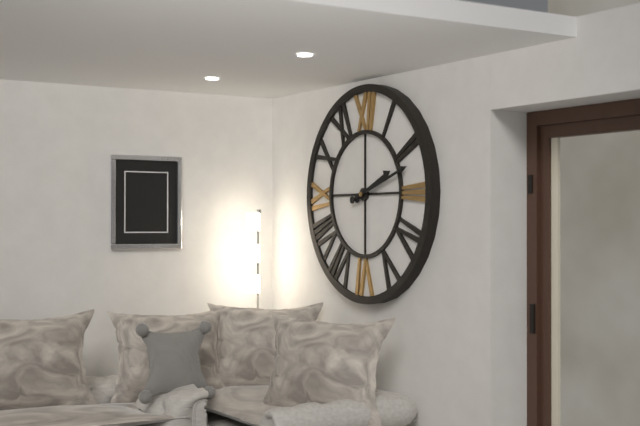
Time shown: **2:12**
